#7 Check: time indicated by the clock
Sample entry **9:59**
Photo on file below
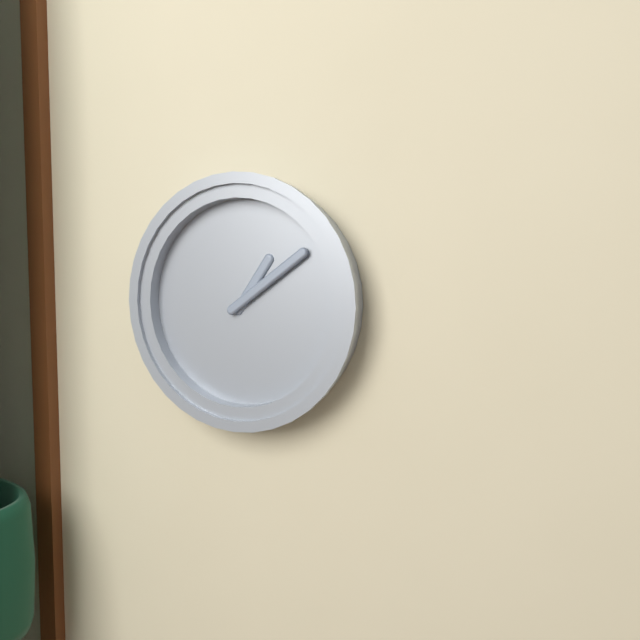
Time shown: **1:09**
